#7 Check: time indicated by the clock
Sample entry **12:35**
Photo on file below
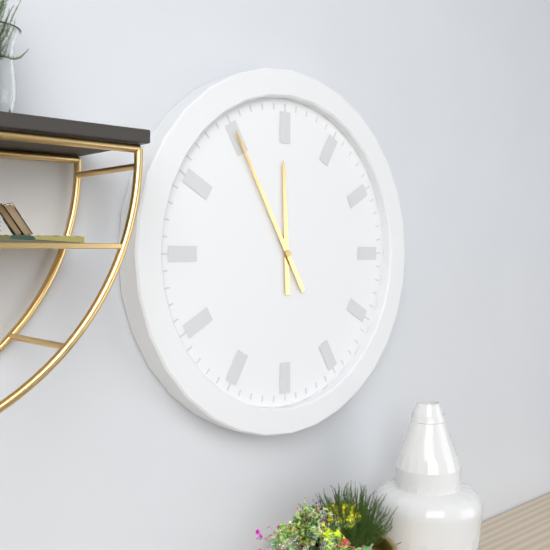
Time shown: **11:55**
